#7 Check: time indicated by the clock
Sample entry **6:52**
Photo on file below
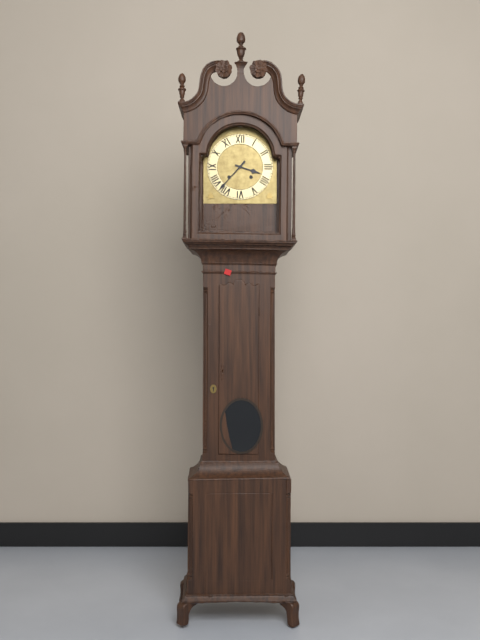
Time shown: **3:37**
